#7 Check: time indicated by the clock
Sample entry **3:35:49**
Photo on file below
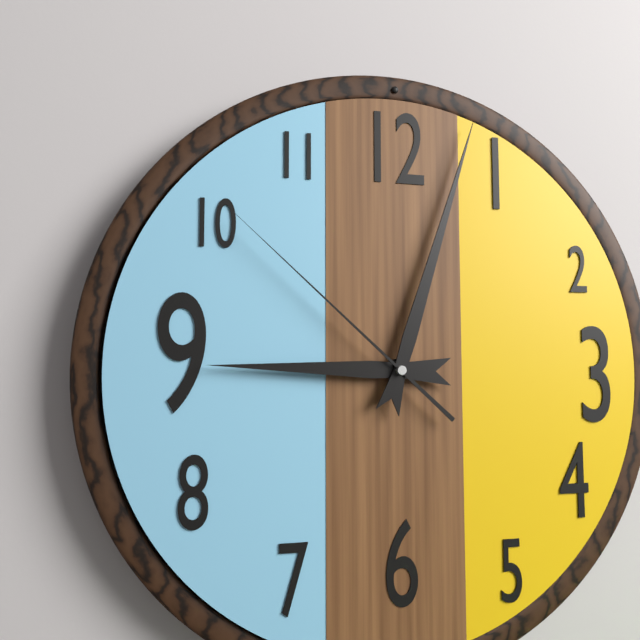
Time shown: **9:03:52**
